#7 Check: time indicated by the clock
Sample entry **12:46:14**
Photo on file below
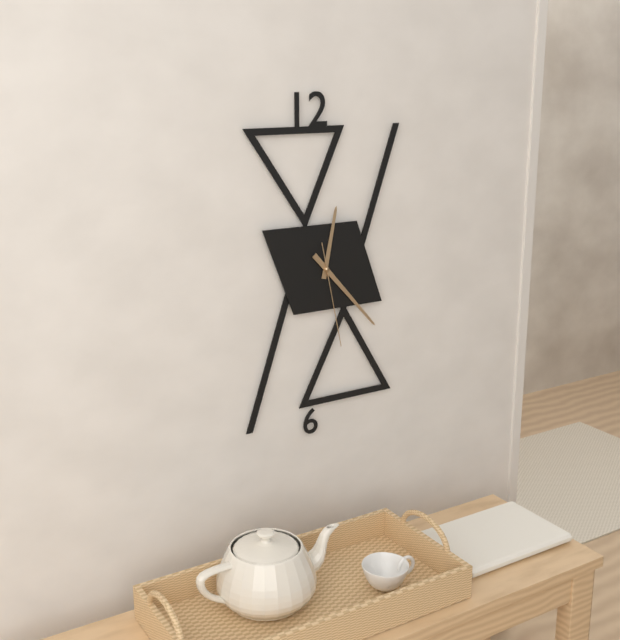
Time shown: **12:23:28**
